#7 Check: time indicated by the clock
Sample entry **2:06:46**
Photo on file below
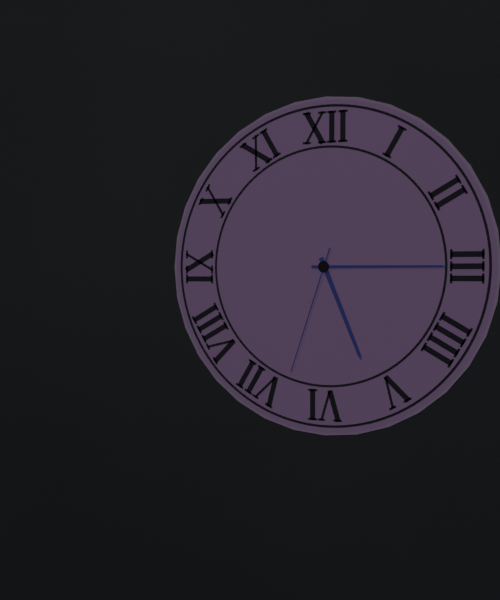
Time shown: **5:15:33**
